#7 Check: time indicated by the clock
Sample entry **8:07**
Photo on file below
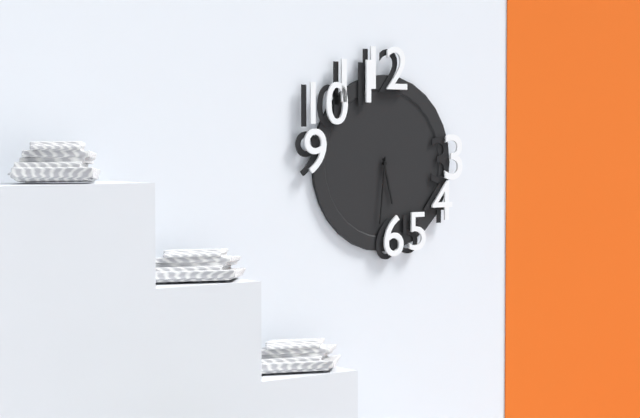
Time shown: **5:31**
